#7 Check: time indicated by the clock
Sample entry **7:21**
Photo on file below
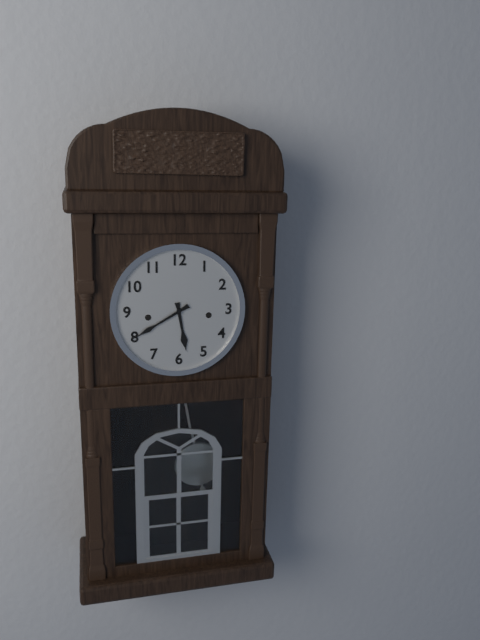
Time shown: **5:40**
